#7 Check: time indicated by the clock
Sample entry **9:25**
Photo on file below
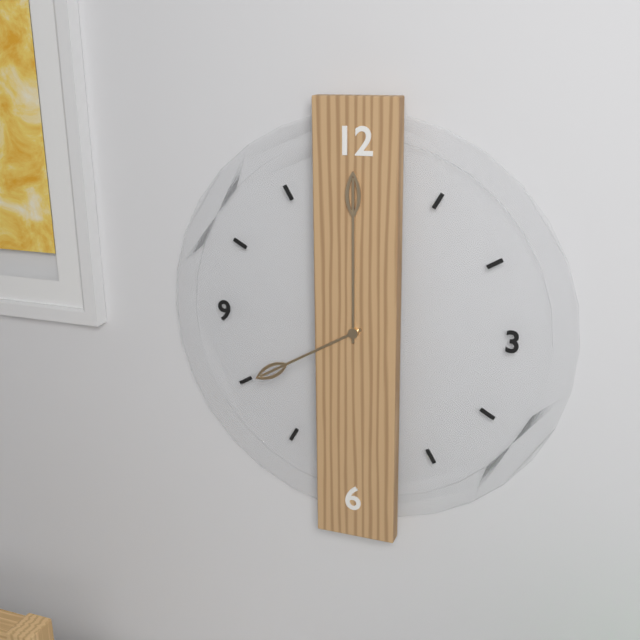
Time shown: **8:00**
